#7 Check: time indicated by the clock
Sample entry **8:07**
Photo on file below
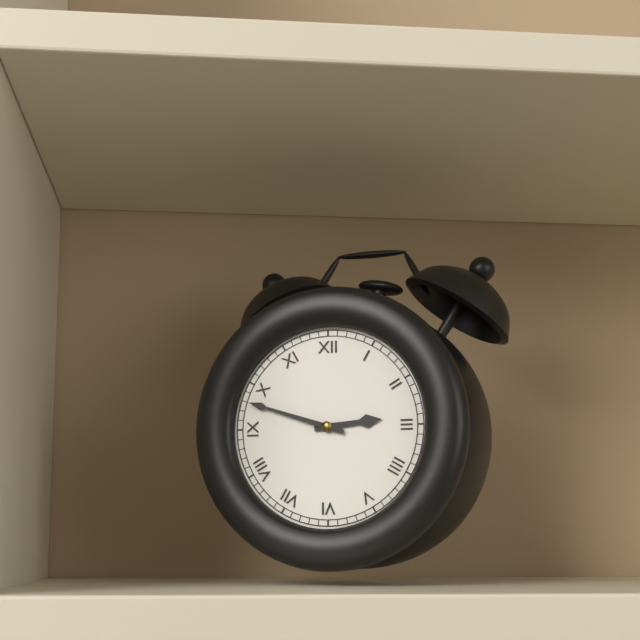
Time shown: **2:48**
